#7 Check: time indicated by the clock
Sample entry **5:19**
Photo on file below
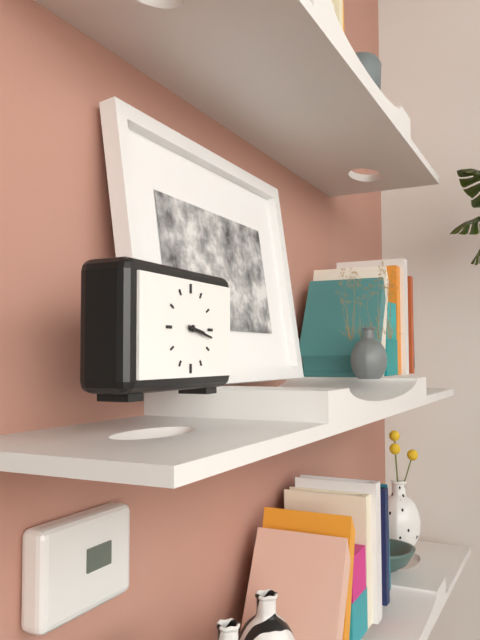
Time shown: **3:17**
